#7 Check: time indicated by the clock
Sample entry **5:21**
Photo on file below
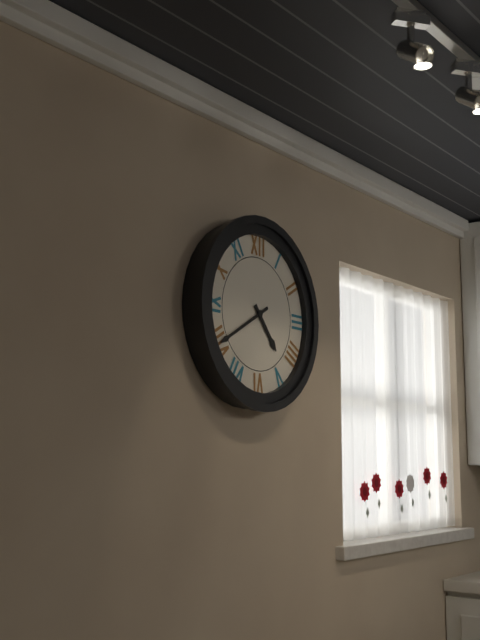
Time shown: **4:40**
